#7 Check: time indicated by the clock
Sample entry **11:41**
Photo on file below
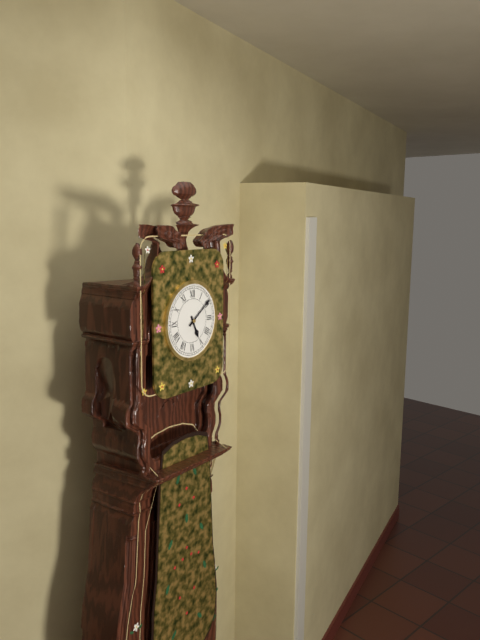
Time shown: **5:09**
